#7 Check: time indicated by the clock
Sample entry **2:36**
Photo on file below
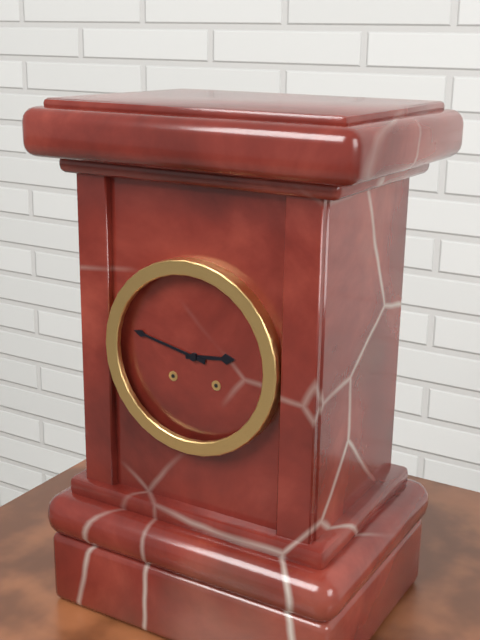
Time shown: **2:47**
